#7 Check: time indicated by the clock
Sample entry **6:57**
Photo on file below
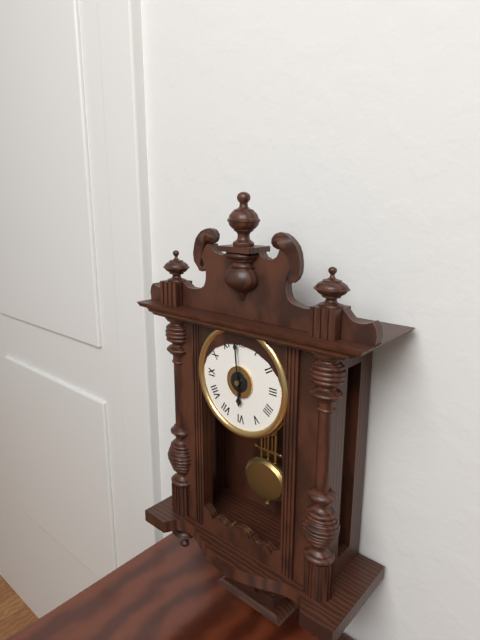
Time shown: **5:59**
